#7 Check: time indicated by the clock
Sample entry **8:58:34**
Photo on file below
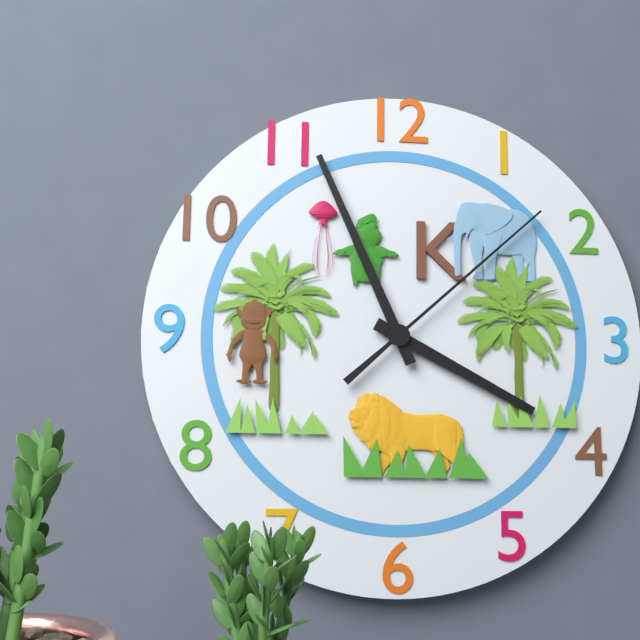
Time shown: **3:56:08**
